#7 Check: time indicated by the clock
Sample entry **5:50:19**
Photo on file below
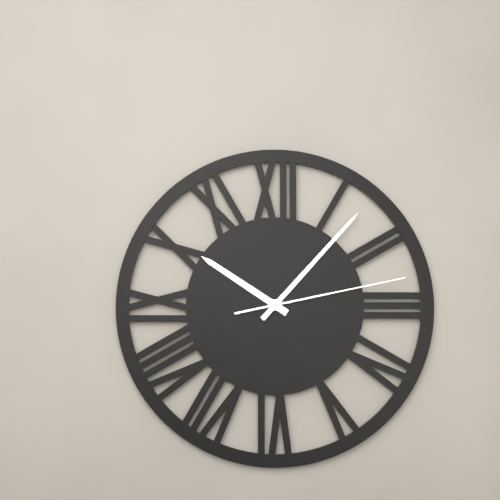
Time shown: **10:07:13**
